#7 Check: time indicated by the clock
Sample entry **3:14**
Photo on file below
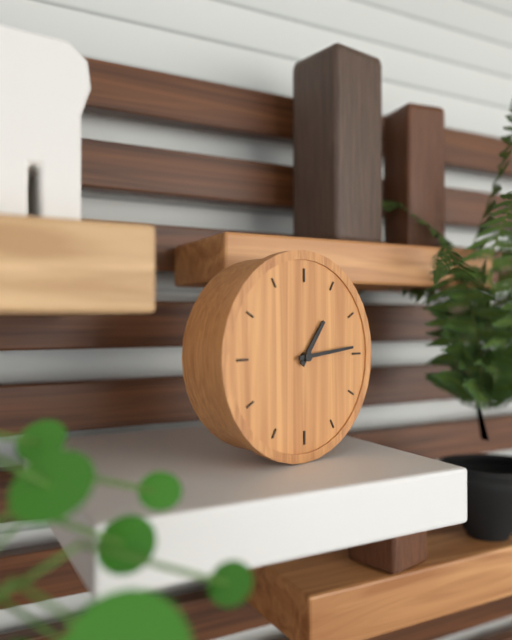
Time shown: **1:14**
